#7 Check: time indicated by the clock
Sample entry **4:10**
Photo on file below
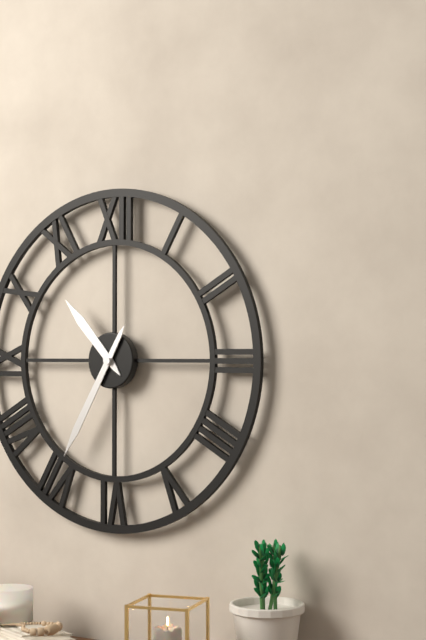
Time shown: **10:35**
